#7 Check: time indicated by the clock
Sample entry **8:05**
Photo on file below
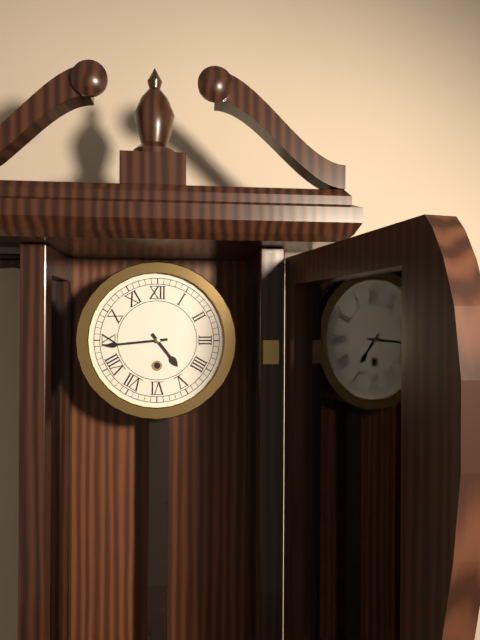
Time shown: **4:44**
